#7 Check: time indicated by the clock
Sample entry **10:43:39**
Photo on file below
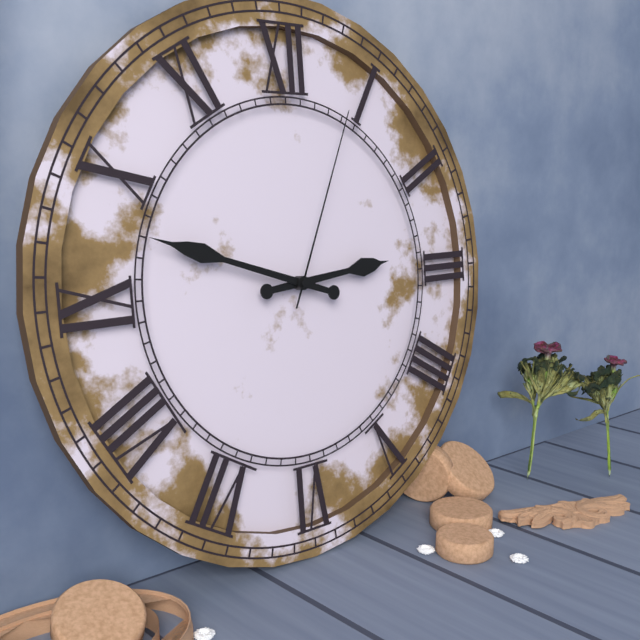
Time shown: **2:48:04**
